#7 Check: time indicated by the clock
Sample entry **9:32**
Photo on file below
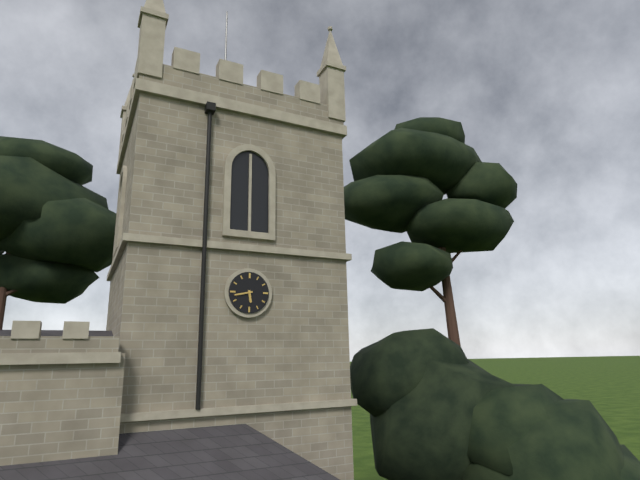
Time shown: **5:43**
